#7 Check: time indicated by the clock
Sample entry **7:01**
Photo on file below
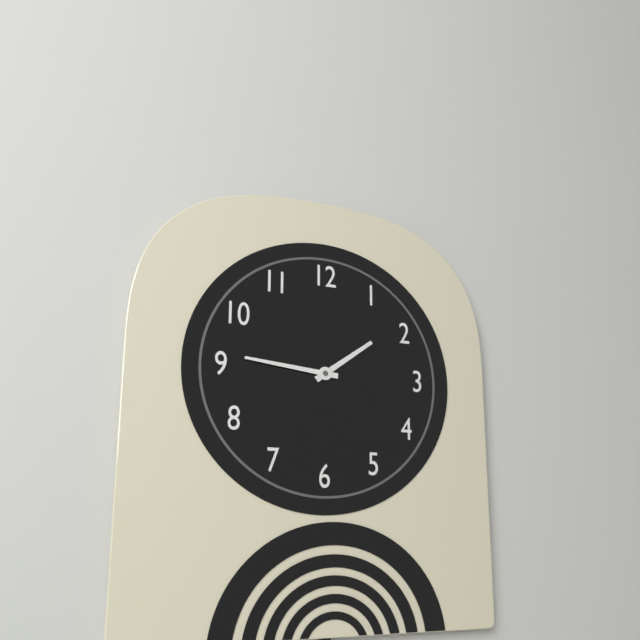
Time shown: **1:46**
